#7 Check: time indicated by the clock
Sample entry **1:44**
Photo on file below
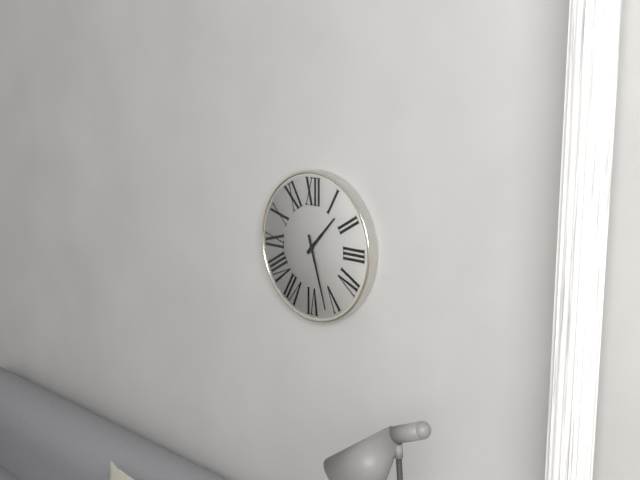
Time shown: **1:27**
